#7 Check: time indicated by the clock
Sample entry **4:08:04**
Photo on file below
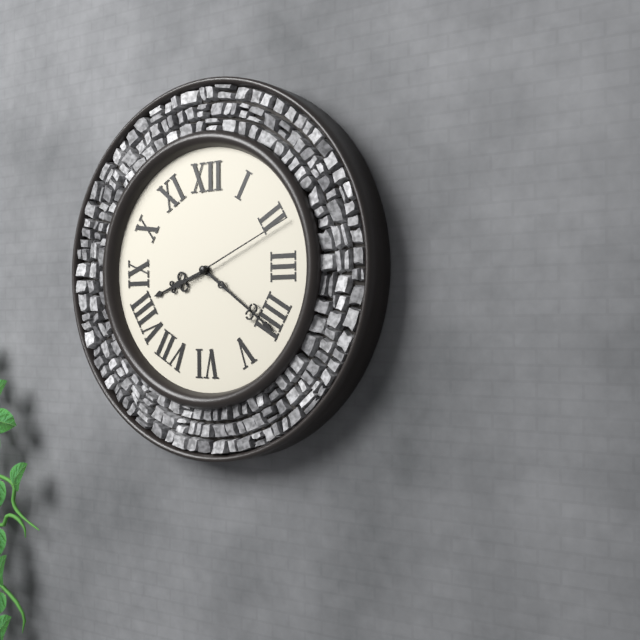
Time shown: **8:21:11**
